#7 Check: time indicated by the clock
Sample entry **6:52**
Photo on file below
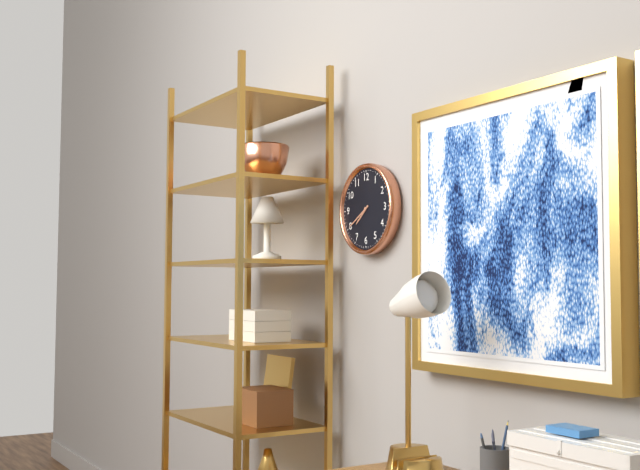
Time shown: **7:40**
